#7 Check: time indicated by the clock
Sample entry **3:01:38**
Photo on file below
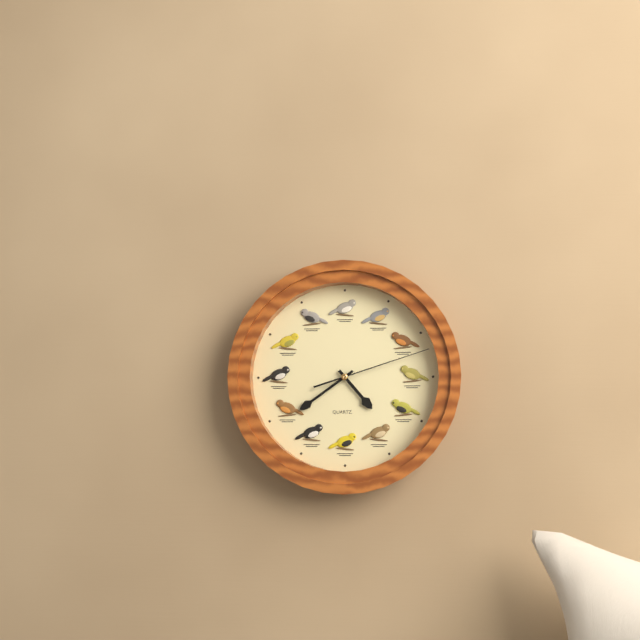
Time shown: **4:39:12**
